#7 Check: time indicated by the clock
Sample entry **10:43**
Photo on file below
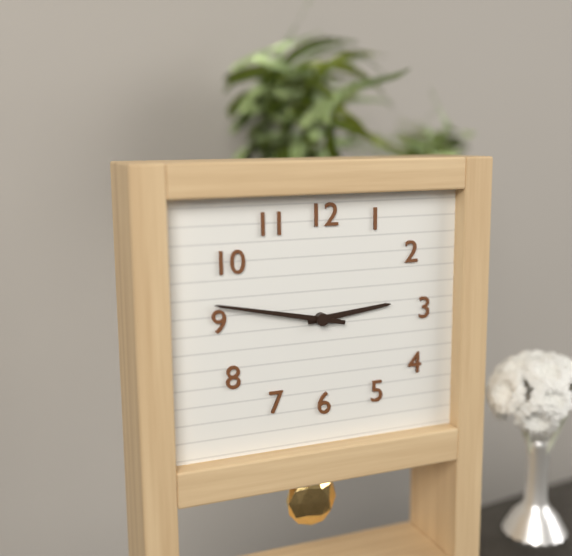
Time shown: **2:47**
